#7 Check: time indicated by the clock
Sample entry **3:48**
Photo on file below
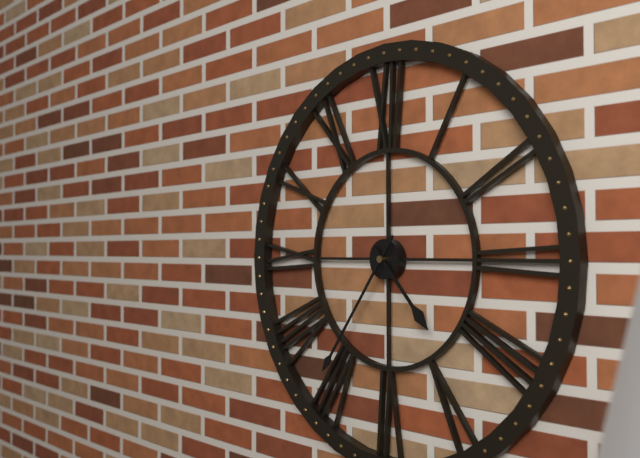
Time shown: **4:36**
